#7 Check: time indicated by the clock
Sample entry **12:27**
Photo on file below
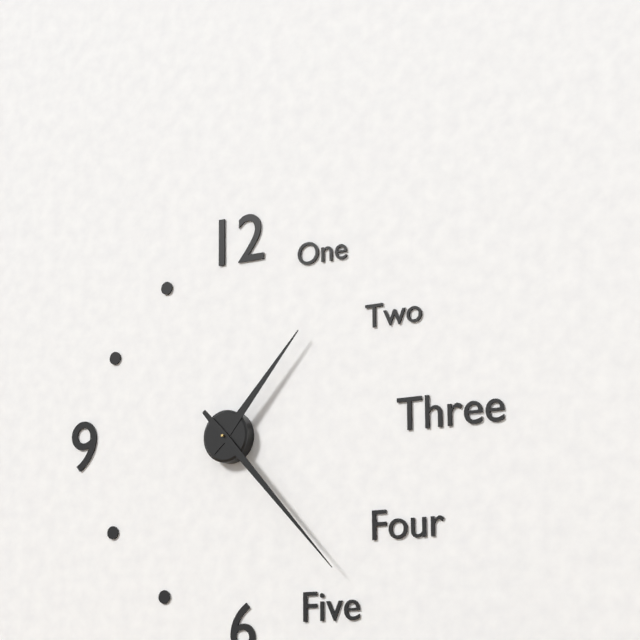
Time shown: **1:23**
